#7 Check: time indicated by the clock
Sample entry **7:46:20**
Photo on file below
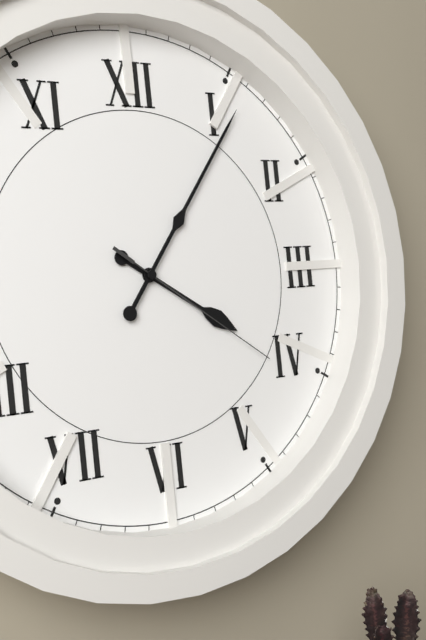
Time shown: **4:06:21**
